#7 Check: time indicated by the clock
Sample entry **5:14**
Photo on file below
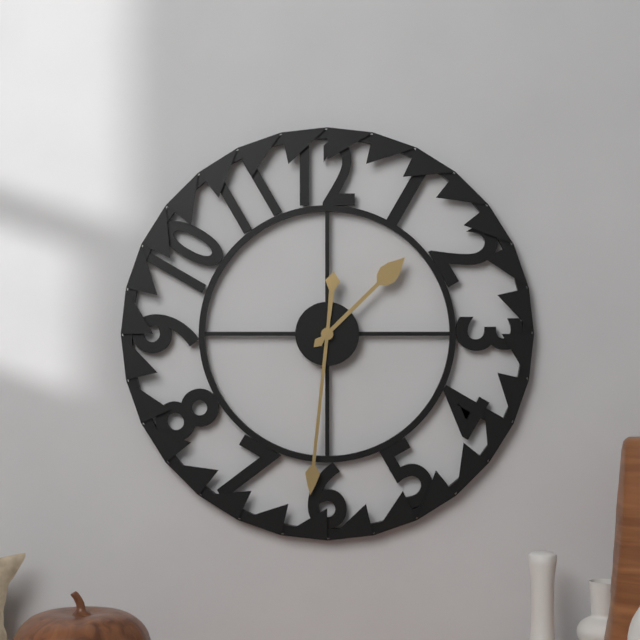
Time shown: **1:31**
